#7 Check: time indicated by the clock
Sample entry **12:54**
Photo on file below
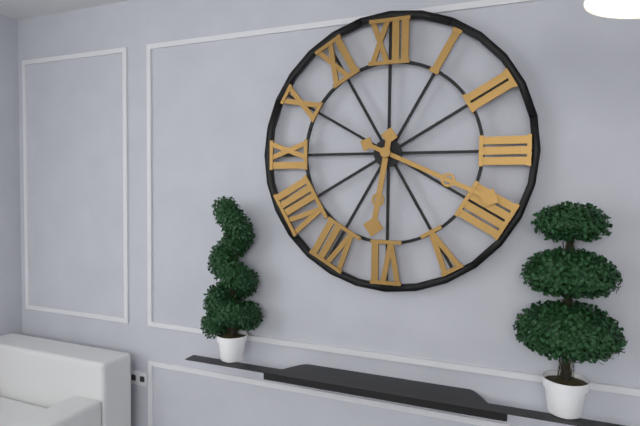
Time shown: **6:19**
